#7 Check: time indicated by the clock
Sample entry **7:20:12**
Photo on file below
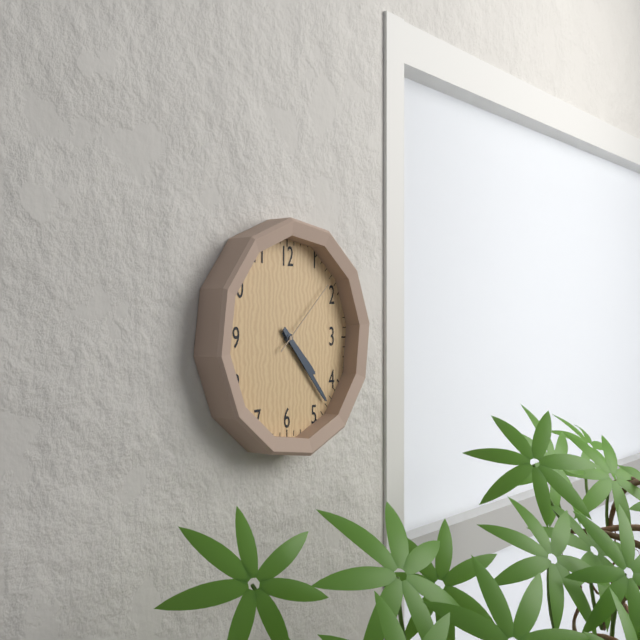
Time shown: **4:23:08**
